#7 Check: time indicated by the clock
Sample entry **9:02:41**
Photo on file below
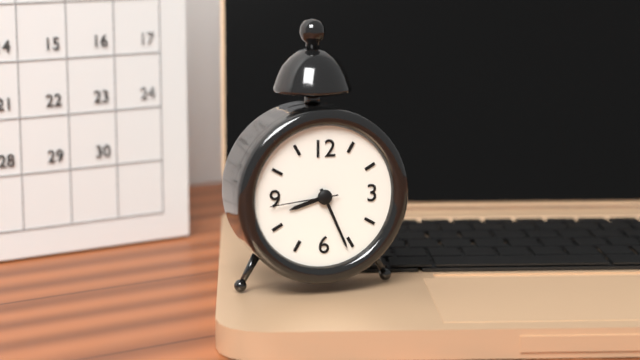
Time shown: **8:26:44**
